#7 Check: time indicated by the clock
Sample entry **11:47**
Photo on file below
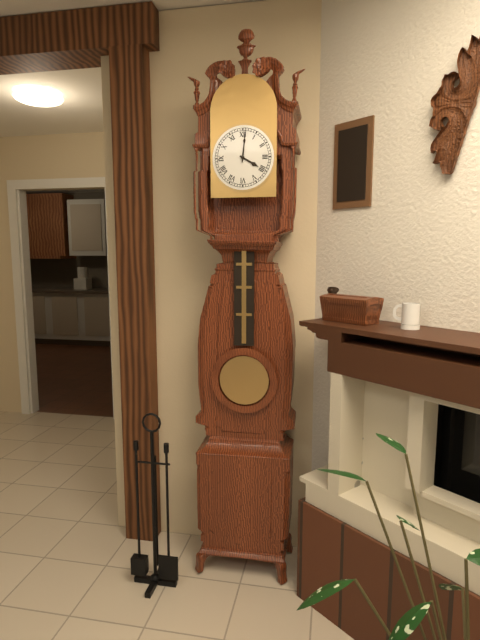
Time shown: **4:01**
